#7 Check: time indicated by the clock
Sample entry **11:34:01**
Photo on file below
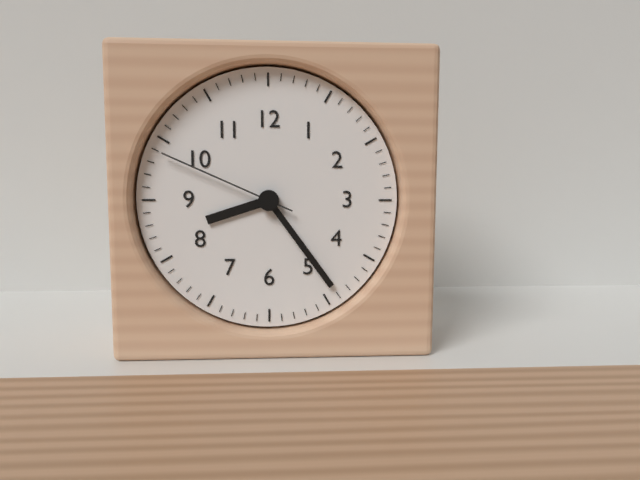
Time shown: **8:24:49**
